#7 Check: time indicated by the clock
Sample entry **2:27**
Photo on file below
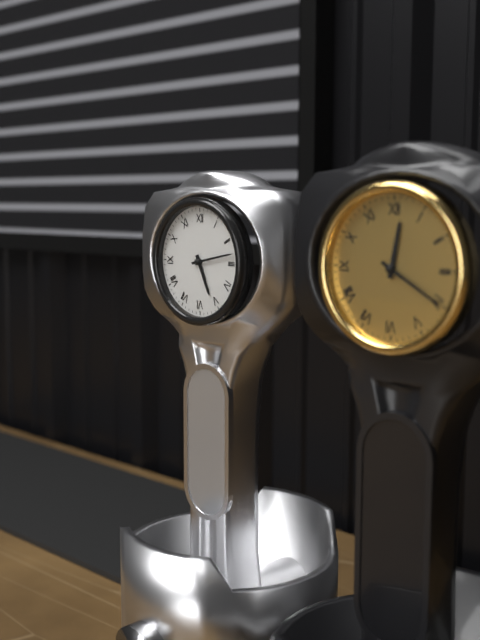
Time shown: **5:13**
